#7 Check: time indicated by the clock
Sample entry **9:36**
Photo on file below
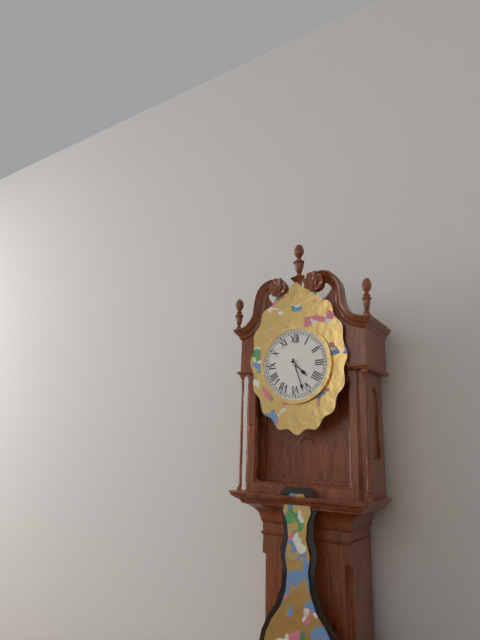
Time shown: **4:27**
